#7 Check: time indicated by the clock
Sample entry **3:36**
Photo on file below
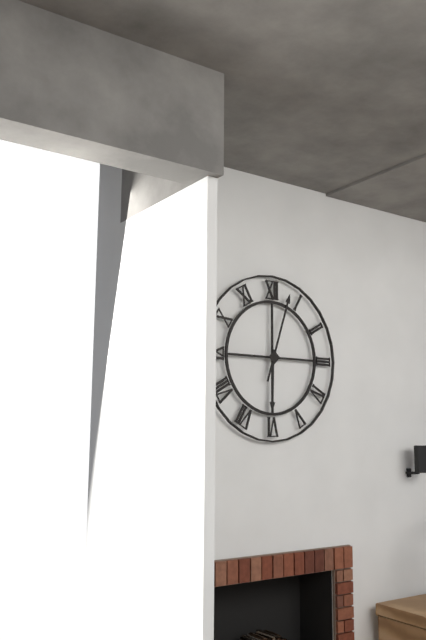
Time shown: **6:03**
